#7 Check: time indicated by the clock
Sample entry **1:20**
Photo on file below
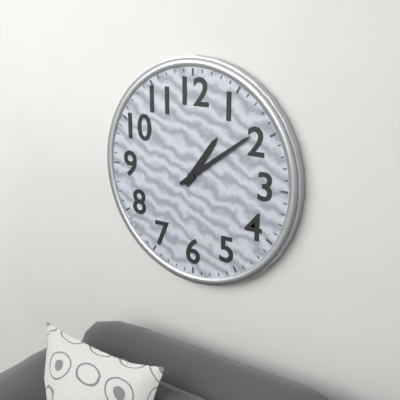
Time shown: **1:09**
